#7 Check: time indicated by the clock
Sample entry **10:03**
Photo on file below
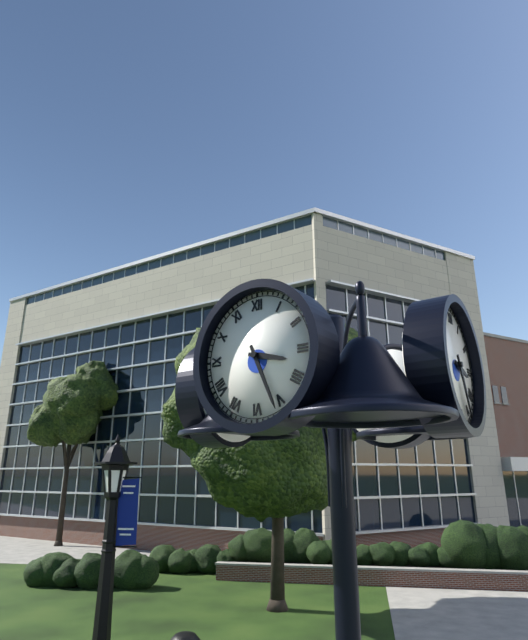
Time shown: **3:26**
